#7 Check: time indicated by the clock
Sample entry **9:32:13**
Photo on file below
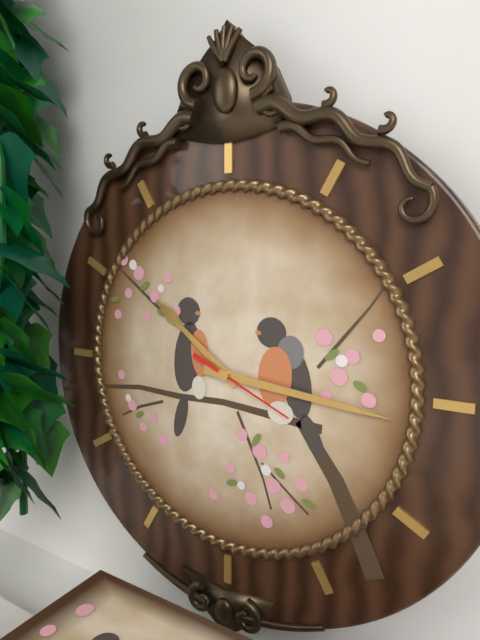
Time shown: **10:16:19**
